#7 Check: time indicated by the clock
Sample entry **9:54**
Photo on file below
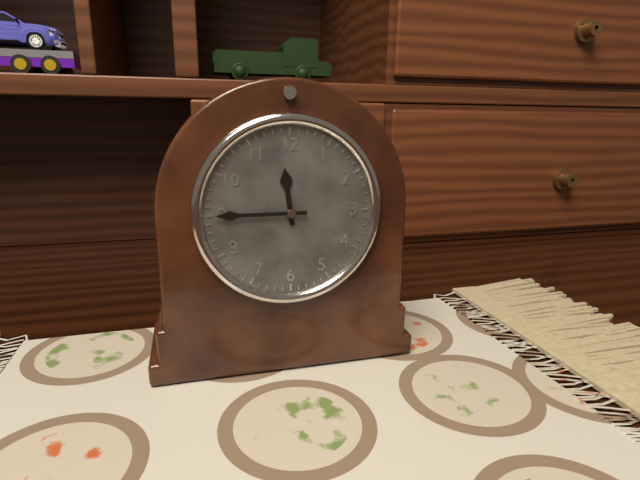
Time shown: **11:45**
